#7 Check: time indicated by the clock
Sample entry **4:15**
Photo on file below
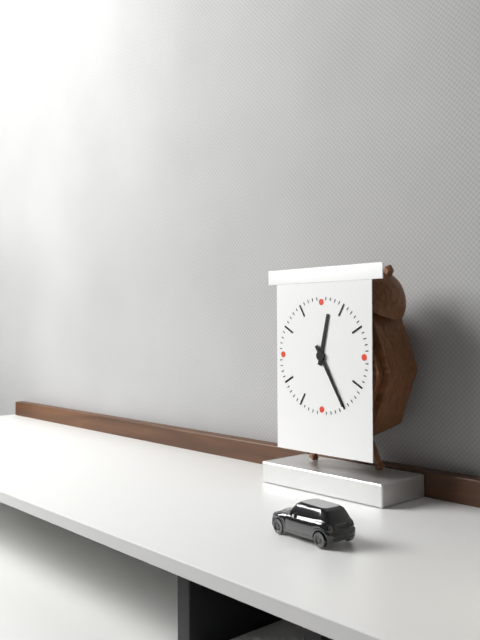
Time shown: **12:25**
